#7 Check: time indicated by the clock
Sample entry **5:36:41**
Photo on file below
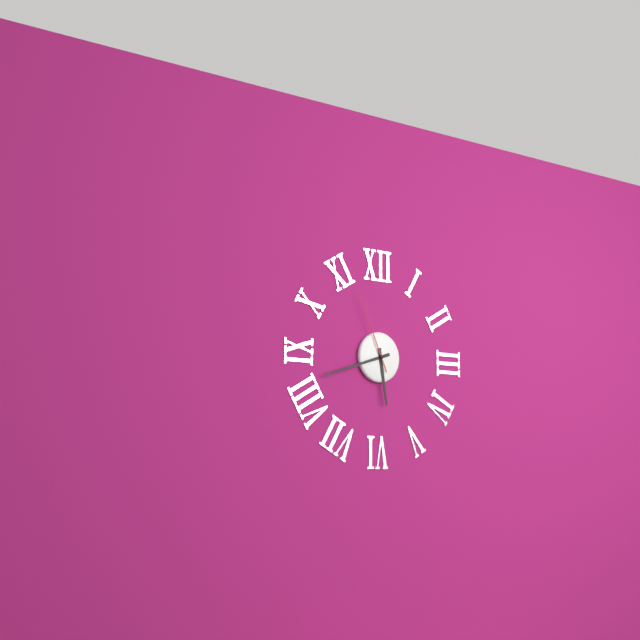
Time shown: **5:42:56**
